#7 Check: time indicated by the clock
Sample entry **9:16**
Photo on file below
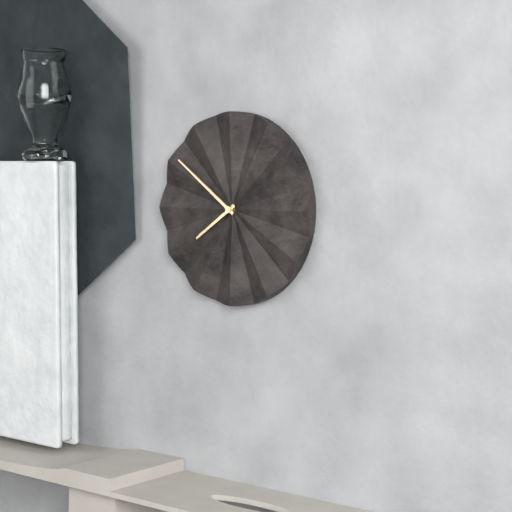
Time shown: **7:51**
